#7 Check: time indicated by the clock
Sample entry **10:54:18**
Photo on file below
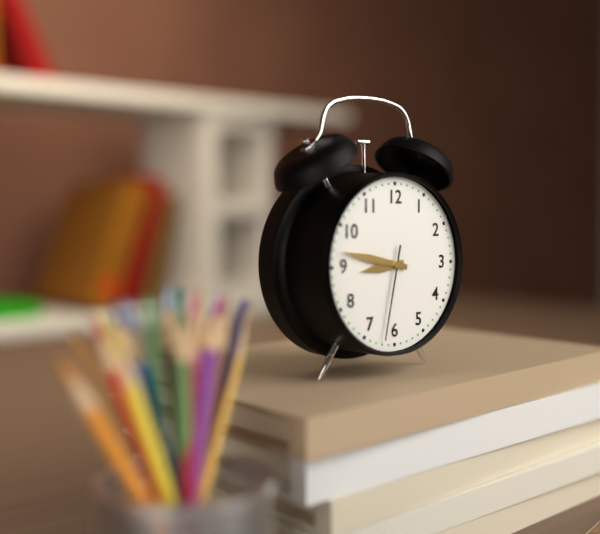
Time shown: **8:47:32**
